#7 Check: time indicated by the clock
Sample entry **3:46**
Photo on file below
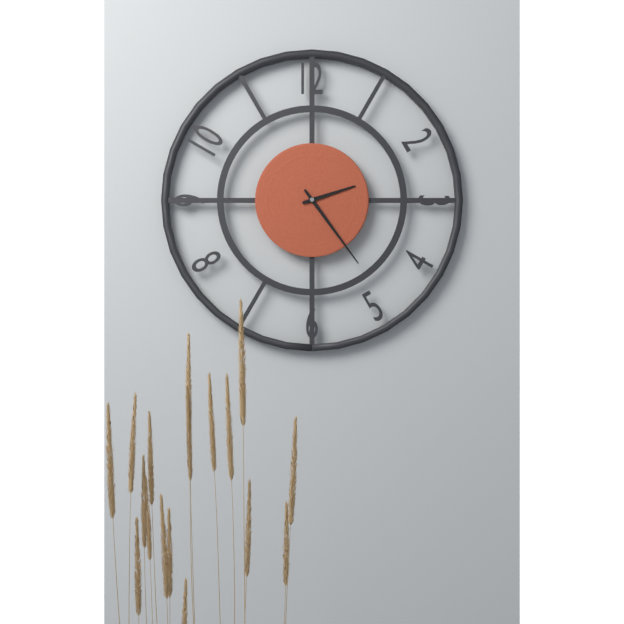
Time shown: **2:24**
